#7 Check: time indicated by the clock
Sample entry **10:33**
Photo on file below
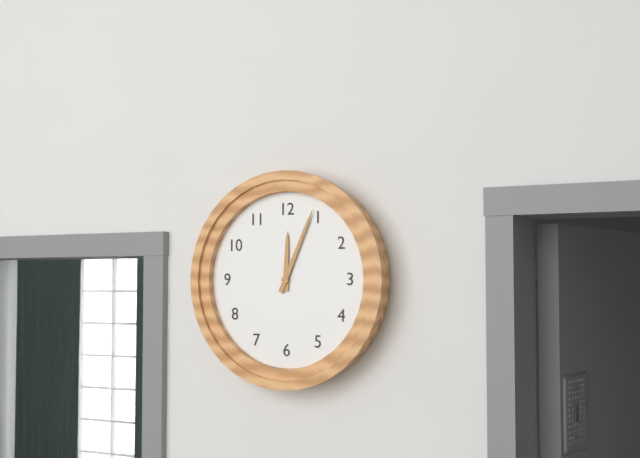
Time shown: **12:04**
